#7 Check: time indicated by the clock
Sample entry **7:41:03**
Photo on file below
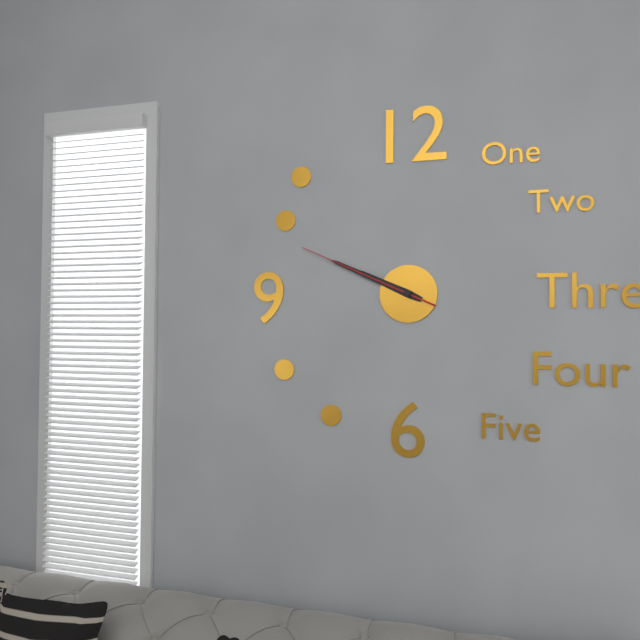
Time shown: **9:49:49**
